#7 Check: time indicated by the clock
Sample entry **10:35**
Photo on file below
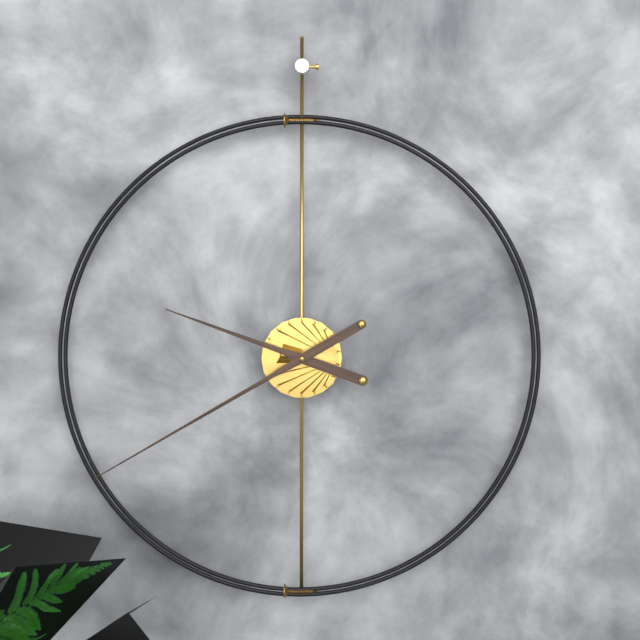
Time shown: **9:40**
